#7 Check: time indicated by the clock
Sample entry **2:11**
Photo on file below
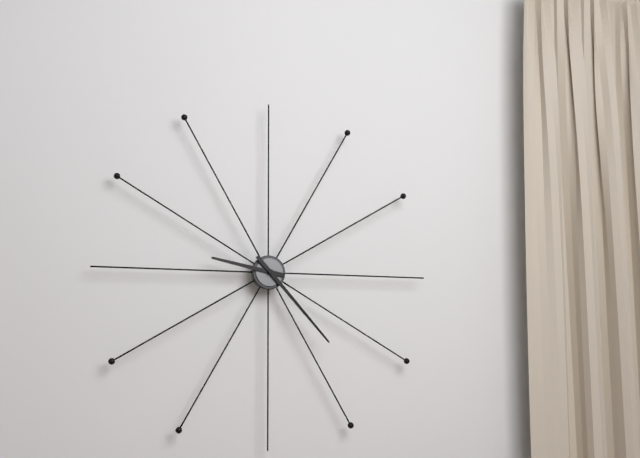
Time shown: **9:23**
